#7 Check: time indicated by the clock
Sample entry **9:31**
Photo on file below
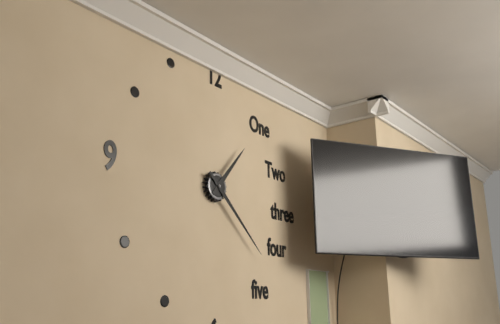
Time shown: **1:22**
